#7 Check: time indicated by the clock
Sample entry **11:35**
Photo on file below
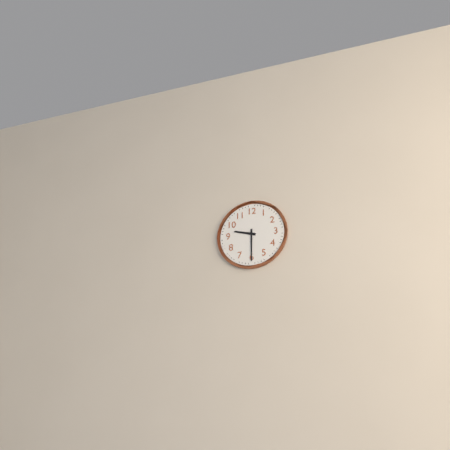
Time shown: **9:30**
